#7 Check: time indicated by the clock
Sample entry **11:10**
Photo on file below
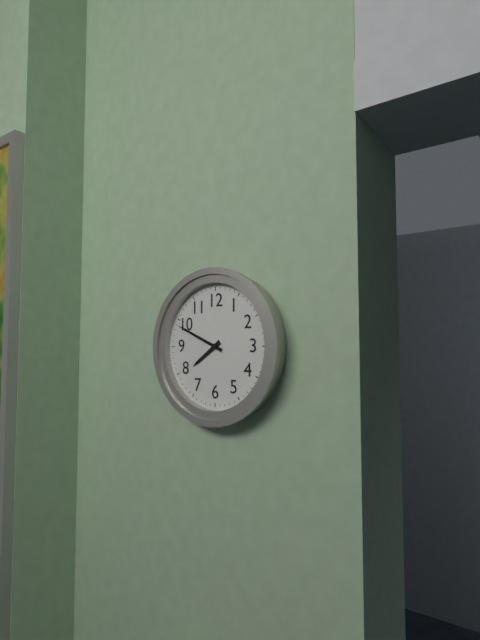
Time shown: **7:49**
